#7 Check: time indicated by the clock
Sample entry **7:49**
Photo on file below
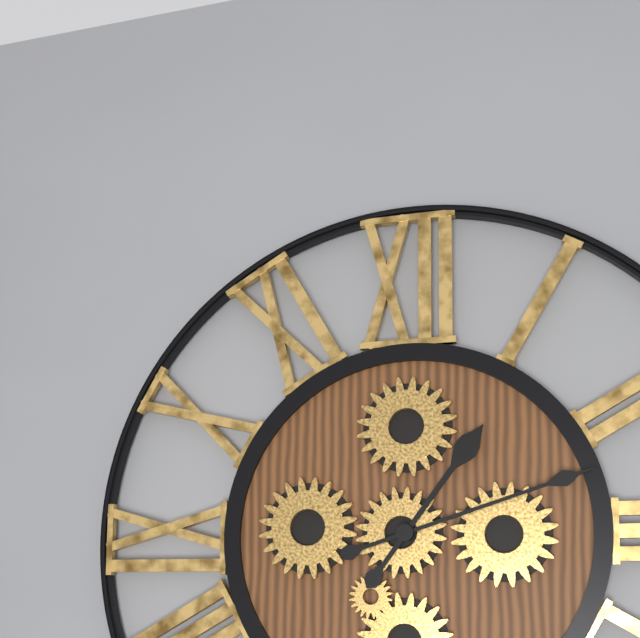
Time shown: **1:12**
